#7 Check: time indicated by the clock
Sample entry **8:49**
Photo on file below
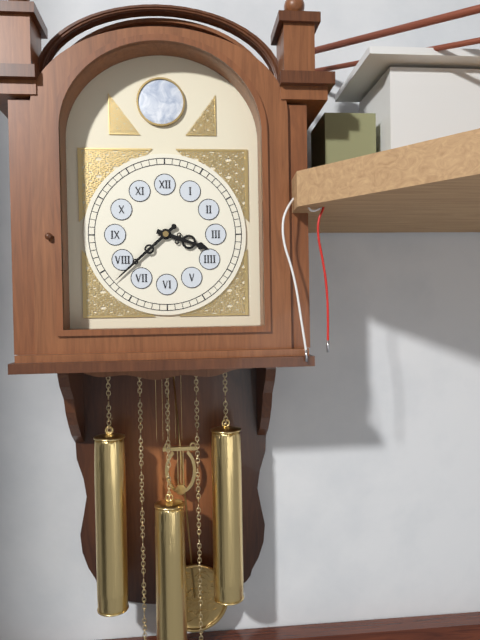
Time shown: **3:38**
